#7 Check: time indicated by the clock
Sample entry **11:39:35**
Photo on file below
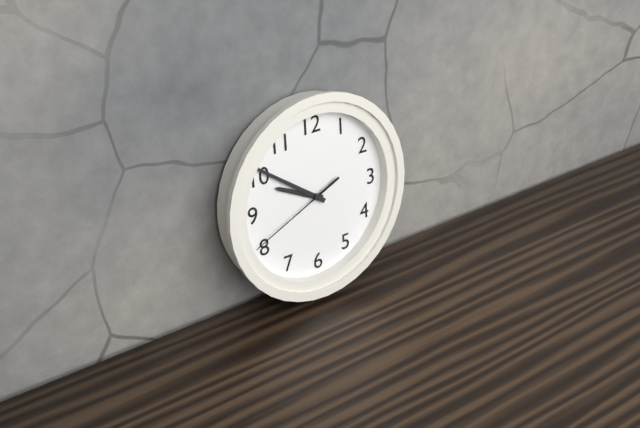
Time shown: **9:51:41**
